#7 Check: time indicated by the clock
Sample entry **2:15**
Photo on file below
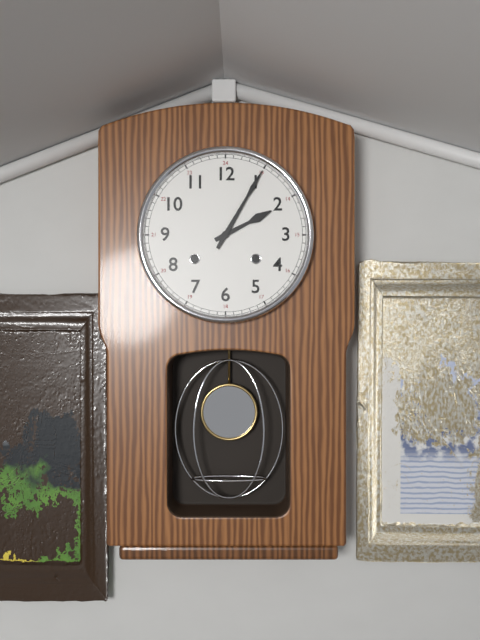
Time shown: **2:05**
